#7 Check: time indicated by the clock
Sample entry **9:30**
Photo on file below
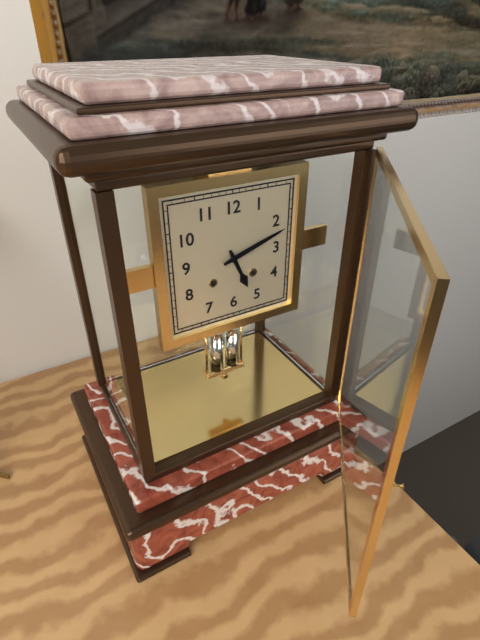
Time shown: **5:12**
